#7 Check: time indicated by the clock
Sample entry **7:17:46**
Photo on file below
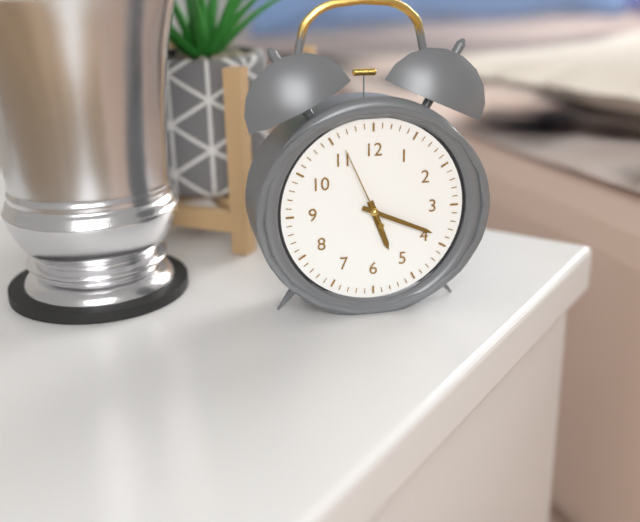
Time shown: **5:19:56**
